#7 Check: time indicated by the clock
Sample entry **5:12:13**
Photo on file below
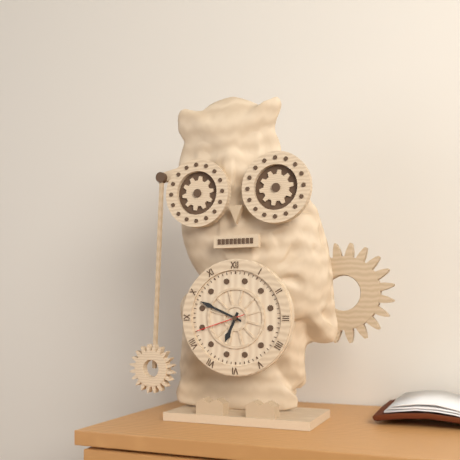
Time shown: **6:49:42**
